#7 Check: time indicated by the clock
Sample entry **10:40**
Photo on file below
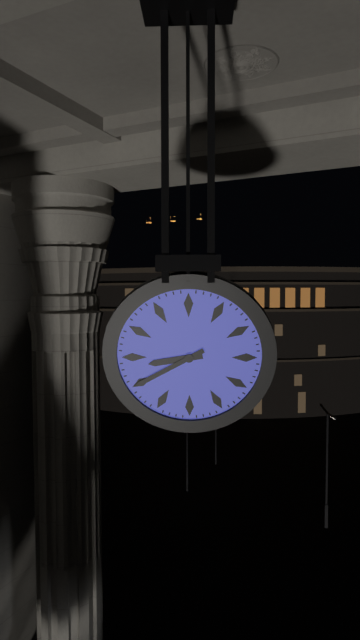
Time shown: **8:40**
